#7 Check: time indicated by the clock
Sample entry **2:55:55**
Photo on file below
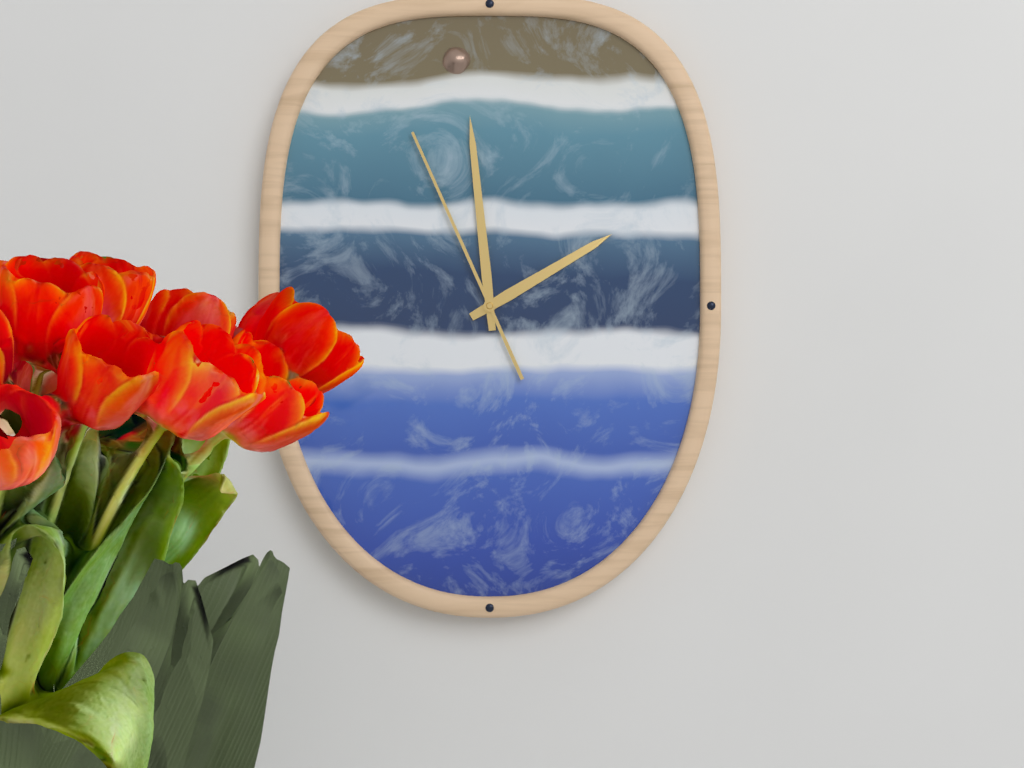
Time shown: **1:59:56**
